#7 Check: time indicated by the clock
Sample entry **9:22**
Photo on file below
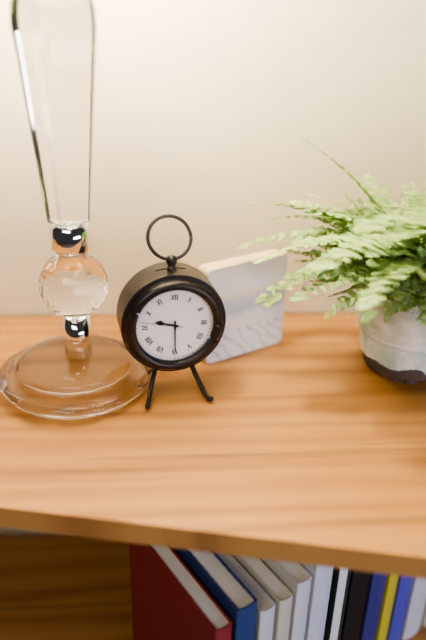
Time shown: **9:30**
